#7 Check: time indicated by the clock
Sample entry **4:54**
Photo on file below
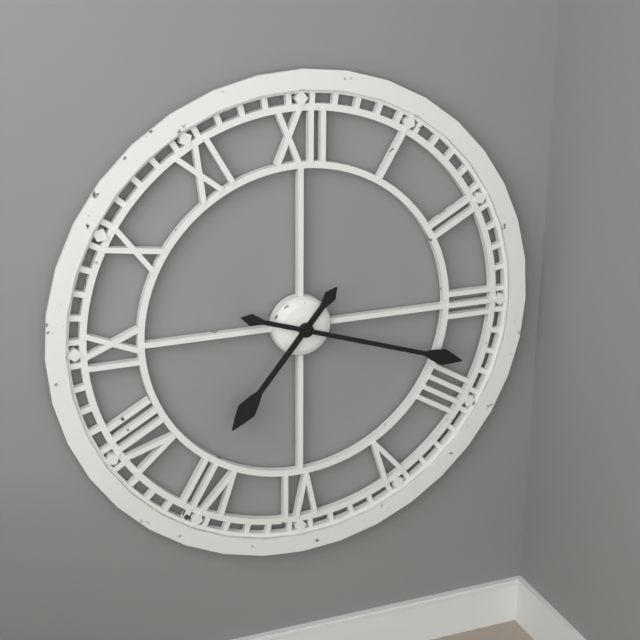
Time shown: **7:18**
